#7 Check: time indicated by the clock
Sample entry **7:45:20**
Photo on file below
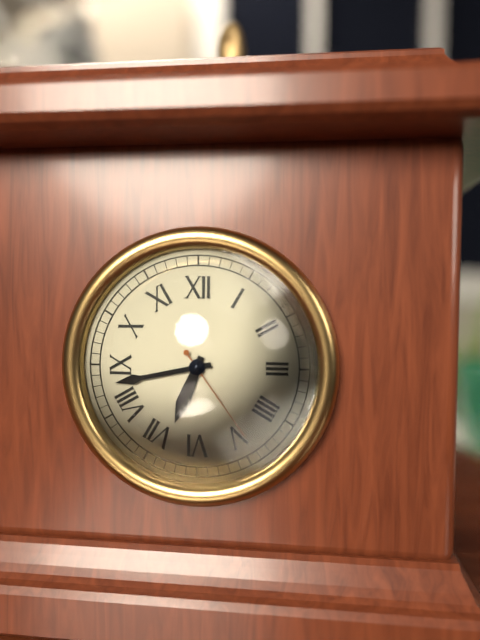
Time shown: **6:43:24**
